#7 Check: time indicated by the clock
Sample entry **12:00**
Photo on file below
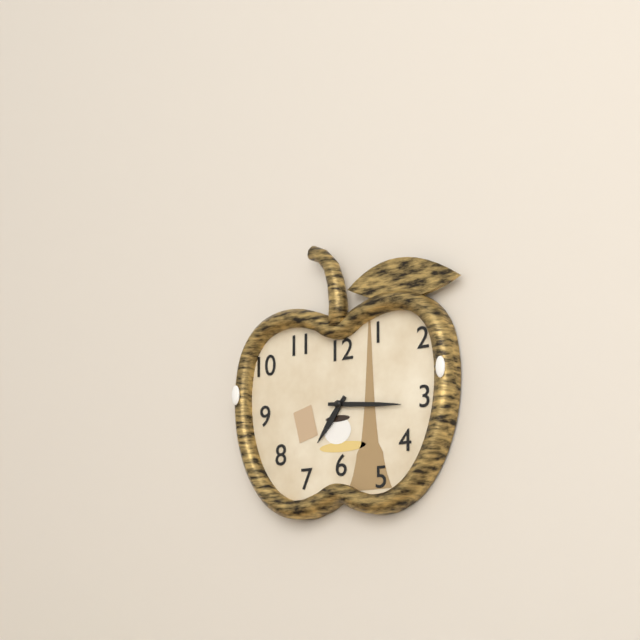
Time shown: **7:16**
